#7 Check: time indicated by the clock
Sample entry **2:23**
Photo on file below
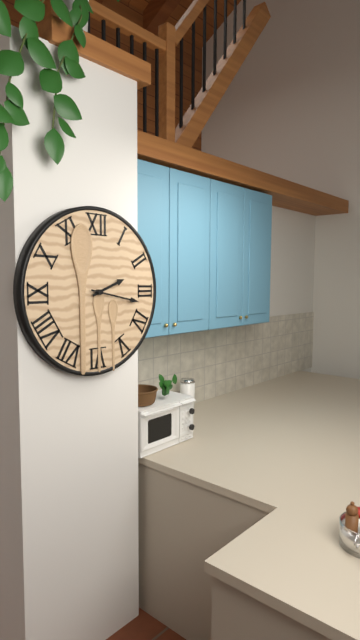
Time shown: **2:17**
